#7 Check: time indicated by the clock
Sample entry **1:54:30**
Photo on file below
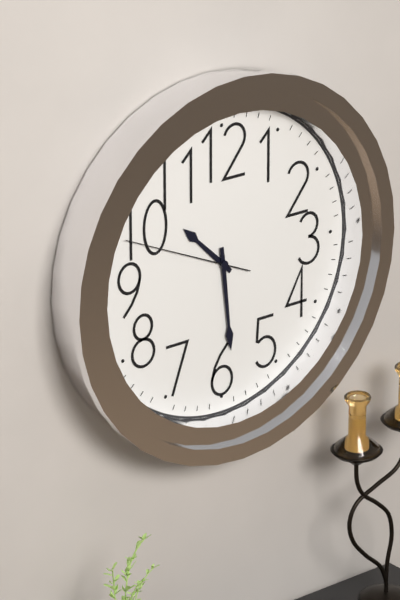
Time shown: **10:29:49**
